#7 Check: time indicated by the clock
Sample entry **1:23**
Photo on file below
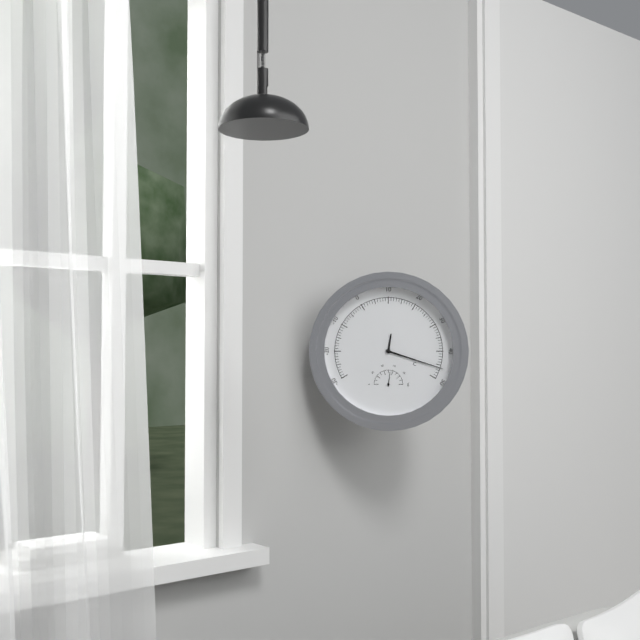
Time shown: **12:18**
